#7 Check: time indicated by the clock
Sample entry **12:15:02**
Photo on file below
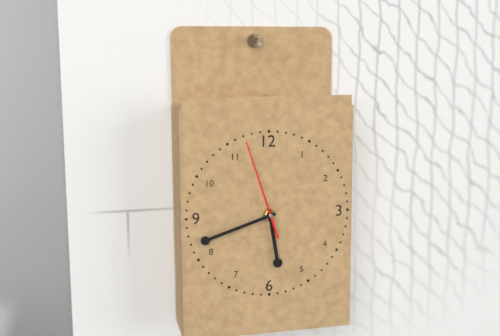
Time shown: **5:42:57**
